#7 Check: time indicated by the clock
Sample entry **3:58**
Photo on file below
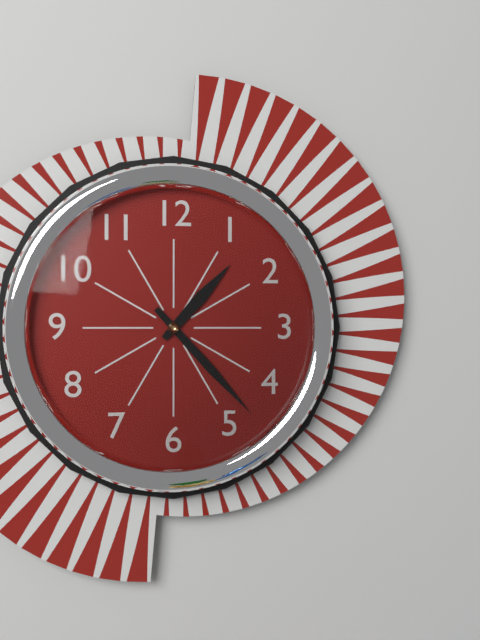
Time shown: **1:23**
